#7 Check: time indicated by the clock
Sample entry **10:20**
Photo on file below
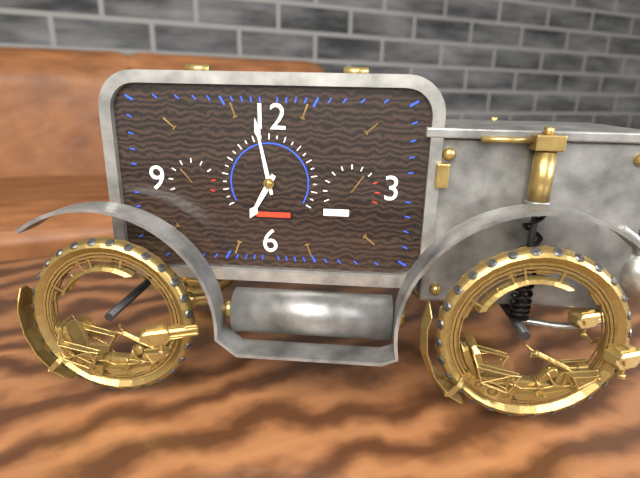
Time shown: **6:58**
